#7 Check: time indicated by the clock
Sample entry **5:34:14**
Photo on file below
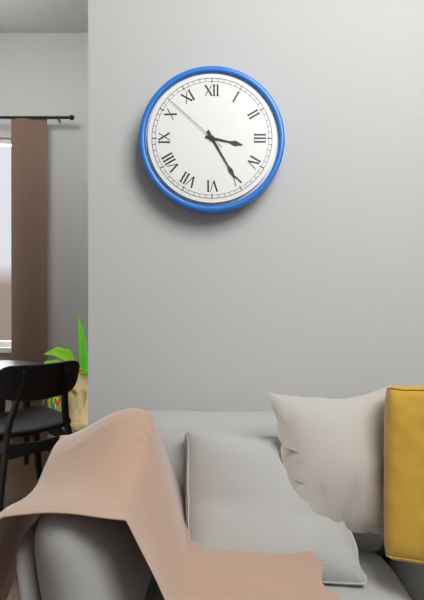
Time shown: **3:25:52**
